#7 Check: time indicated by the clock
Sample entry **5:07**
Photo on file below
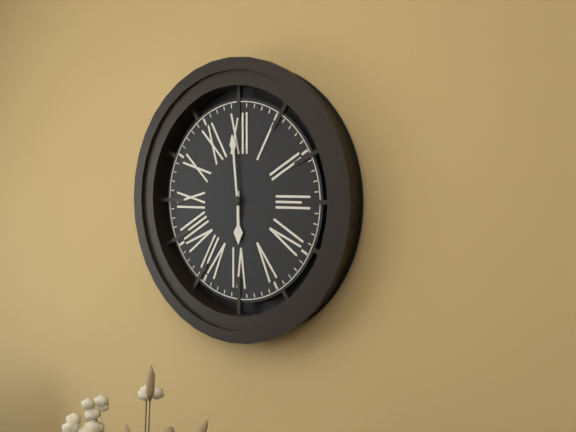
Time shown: **5:59**
